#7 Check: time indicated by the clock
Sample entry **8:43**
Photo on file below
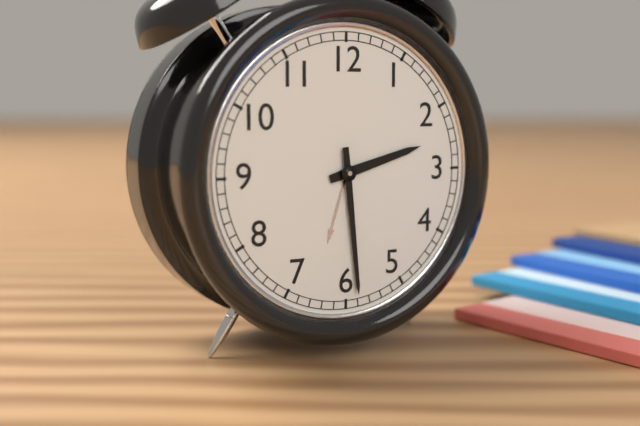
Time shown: **2:29**
